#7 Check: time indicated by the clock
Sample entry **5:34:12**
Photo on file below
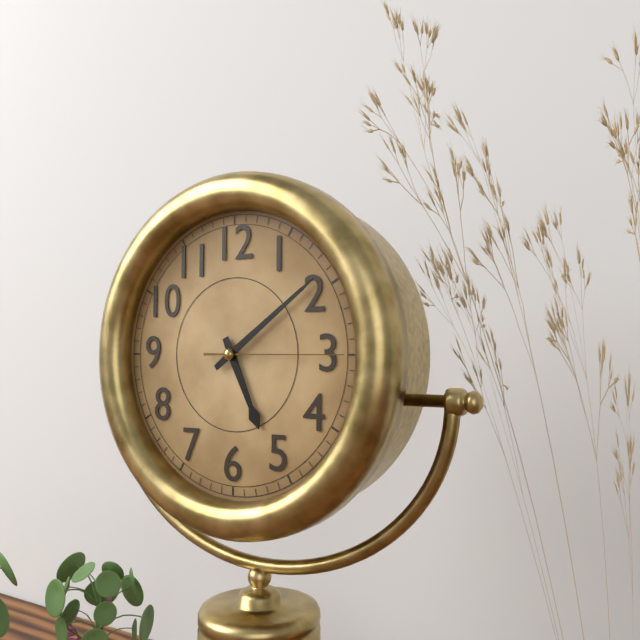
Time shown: **5:09:15**
